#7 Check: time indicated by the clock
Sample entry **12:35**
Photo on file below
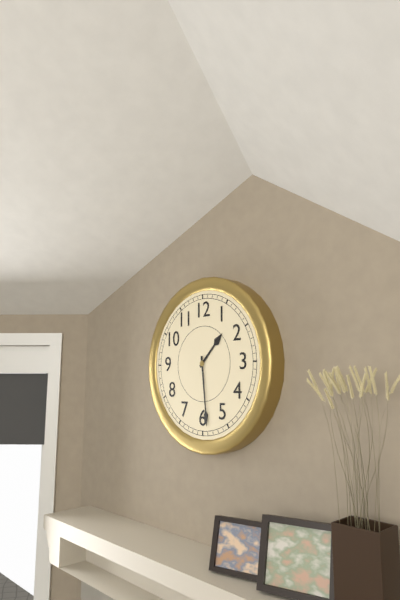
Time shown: **1:29**
